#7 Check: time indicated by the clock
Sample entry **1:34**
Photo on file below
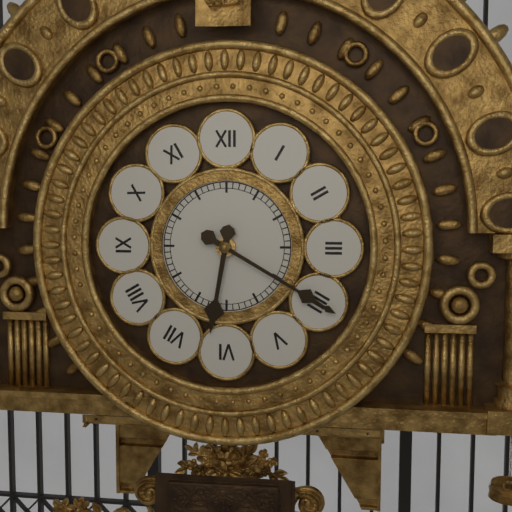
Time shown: **6:20**
